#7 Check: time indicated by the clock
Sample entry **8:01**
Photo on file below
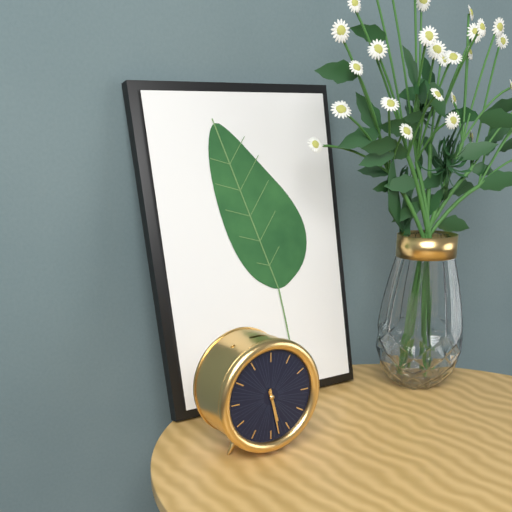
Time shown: **5:28**
